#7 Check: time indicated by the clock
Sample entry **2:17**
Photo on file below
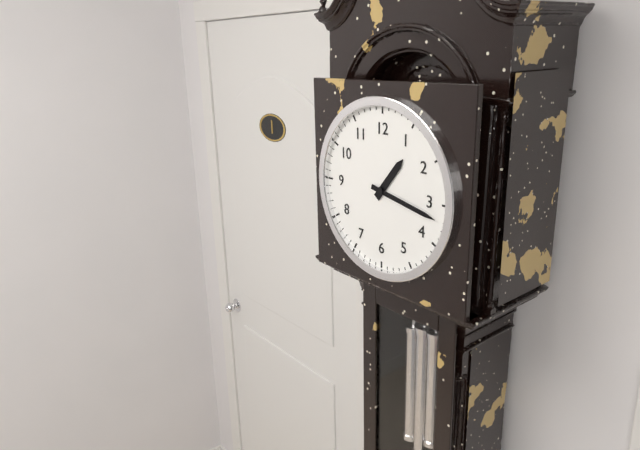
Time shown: **1:17**
